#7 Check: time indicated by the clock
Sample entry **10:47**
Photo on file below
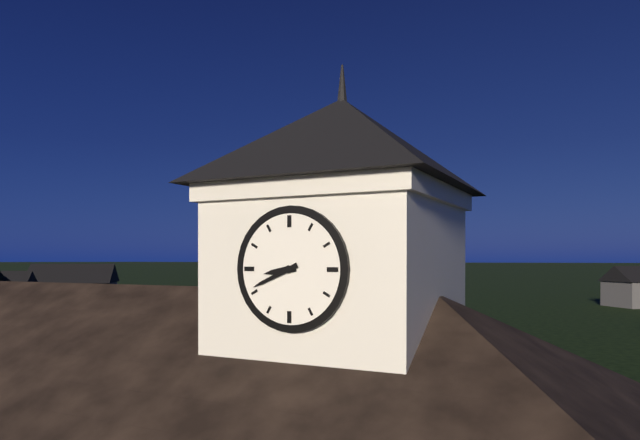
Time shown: **8:41**
